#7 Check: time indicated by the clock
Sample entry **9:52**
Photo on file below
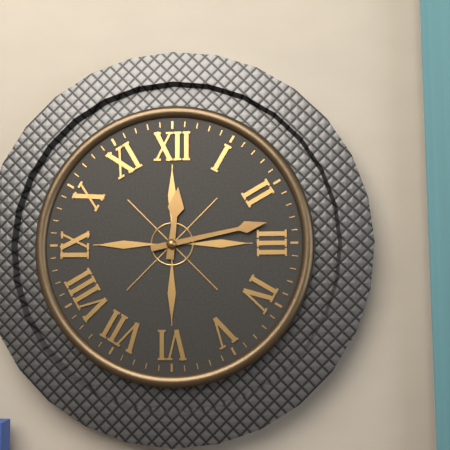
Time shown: **12:13**
